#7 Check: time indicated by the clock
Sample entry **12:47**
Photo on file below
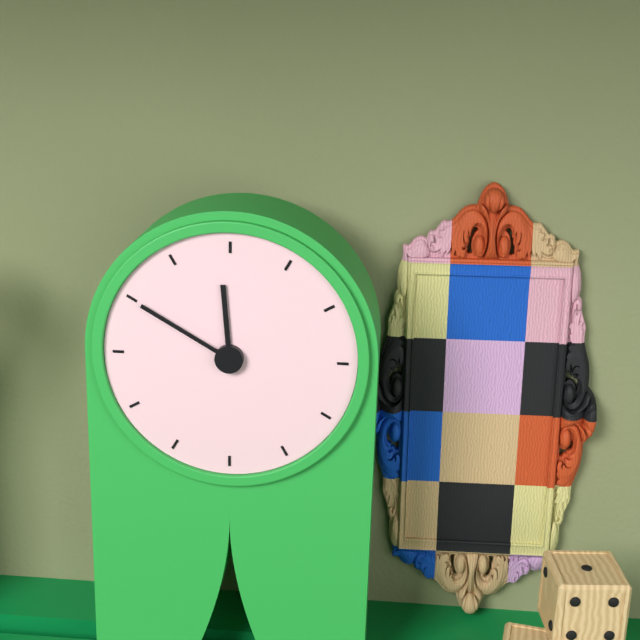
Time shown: **11:50**
